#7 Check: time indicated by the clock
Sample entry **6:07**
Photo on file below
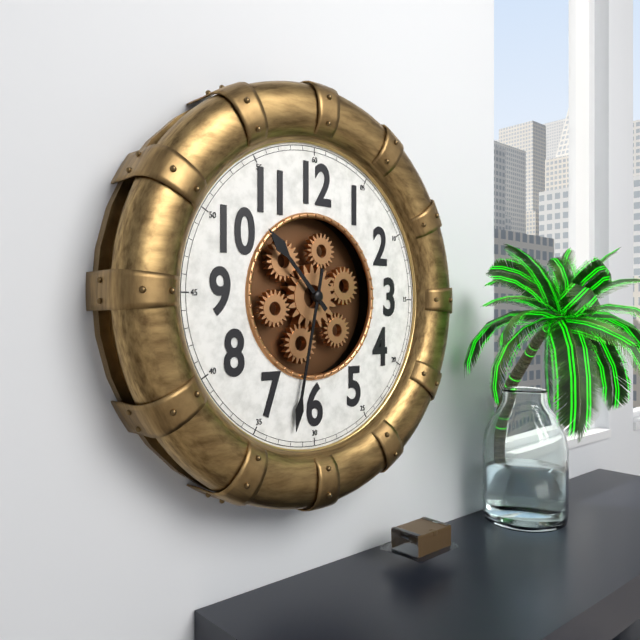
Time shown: **10:32**
